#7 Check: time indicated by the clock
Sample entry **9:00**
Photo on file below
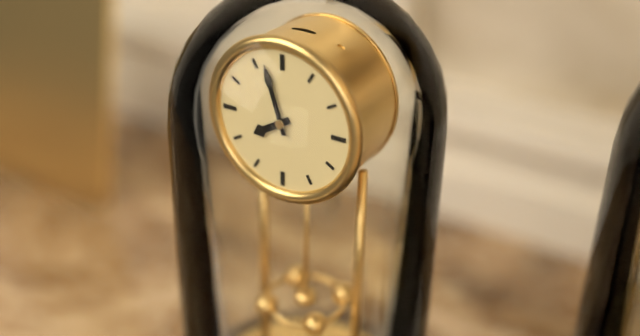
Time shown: **7:57**
